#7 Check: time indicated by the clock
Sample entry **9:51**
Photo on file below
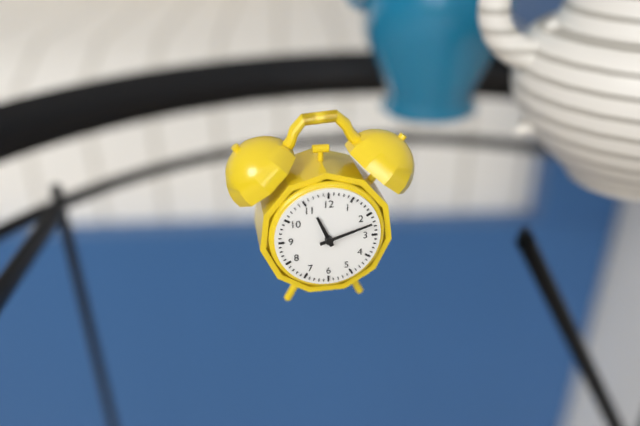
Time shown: **11:12**
